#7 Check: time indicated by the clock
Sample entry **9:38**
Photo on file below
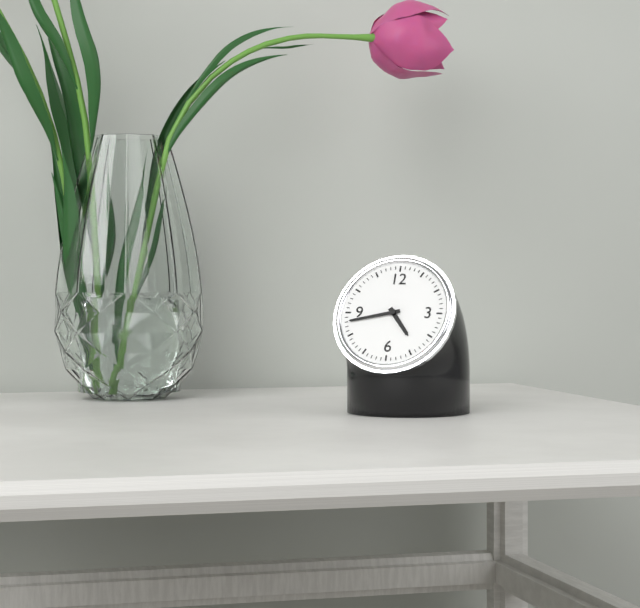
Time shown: **4:43**
